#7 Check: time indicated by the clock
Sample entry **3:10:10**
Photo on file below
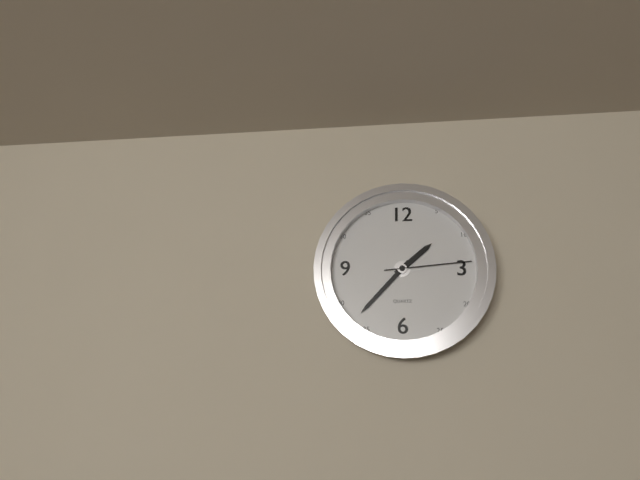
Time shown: **1:37:14**
